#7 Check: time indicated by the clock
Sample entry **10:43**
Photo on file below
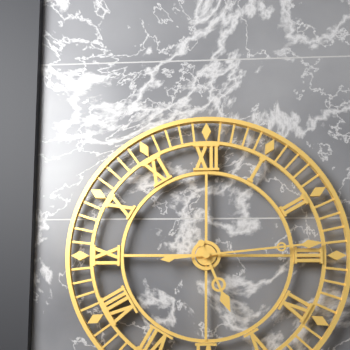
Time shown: **5:14**
